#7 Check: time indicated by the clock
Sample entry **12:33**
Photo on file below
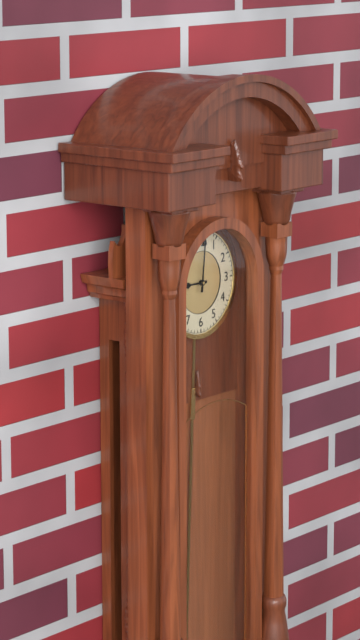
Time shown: **9:01**
